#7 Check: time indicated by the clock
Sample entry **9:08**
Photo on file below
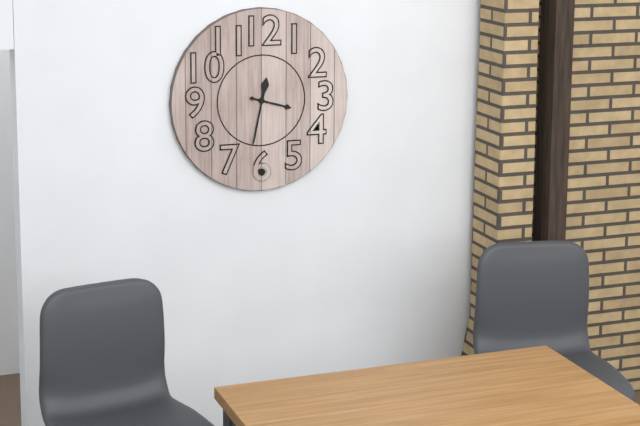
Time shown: **3:32**
